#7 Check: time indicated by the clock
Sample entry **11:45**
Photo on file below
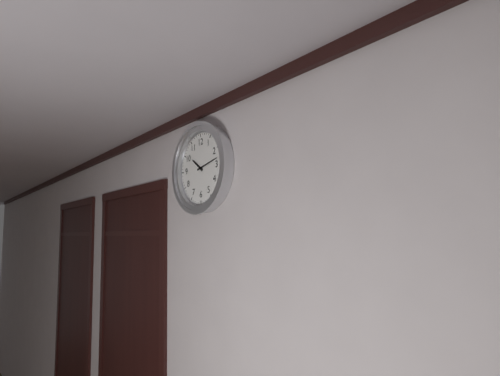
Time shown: **10:13**
